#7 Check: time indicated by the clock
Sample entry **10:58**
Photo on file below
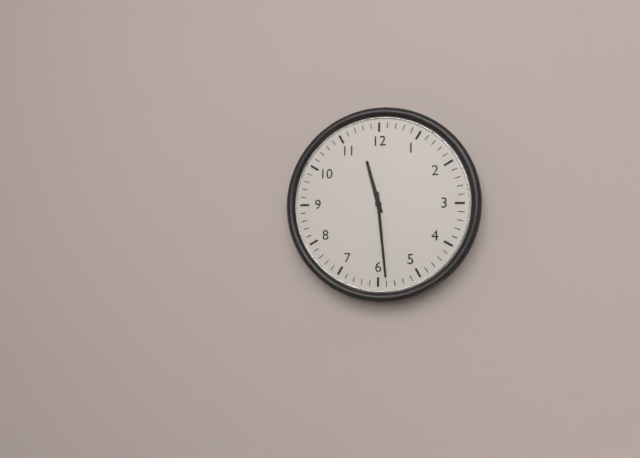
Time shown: **11:29**
